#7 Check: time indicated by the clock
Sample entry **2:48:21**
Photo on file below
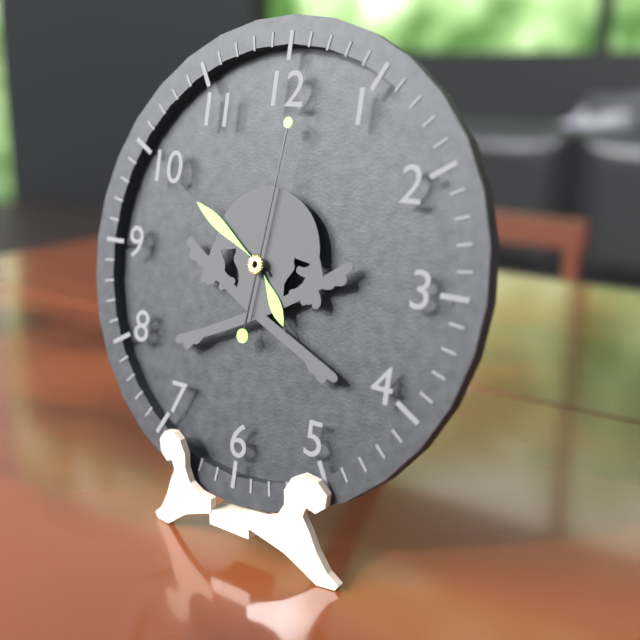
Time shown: **4:50:01**
